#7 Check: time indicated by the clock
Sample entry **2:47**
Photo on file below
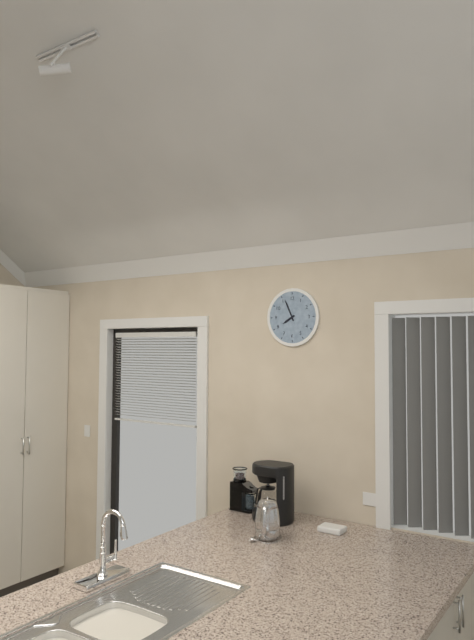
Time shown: **7:56**
